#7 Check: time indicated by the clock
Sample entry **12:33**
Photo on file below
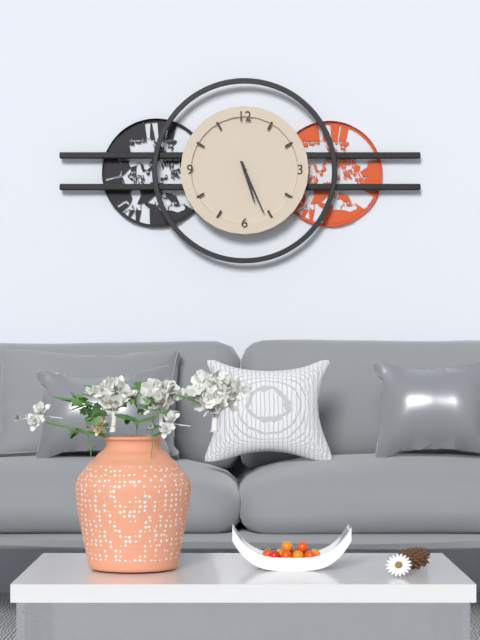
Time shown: **5:26**
